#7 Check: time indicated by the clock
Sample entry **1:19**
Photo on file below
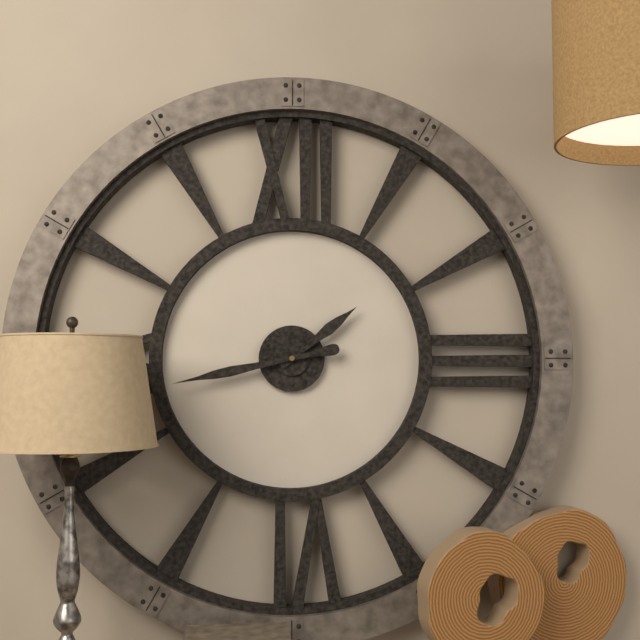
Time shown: **1:43**
